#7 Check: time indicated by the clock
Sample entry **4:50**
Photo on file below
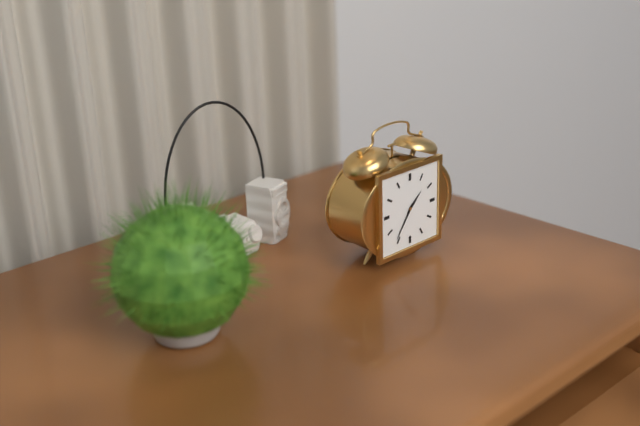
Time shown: **1:36**
